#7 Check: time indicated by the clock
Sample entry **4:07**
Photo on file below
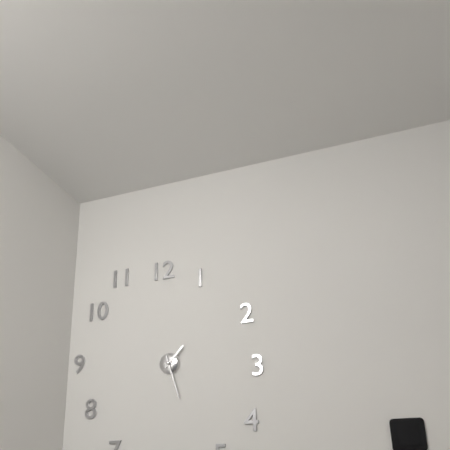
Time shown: **1:27**
